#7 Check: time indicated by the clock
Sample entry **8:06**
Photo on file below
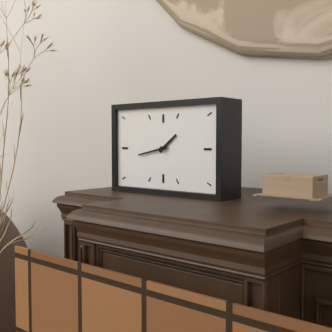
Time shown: **1:43**
